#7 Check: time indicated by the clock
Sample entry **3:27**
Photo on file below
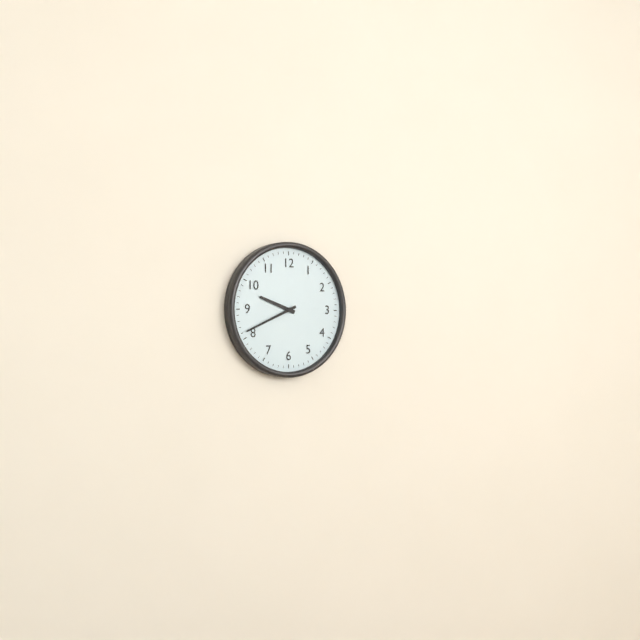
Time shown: **9:41**
